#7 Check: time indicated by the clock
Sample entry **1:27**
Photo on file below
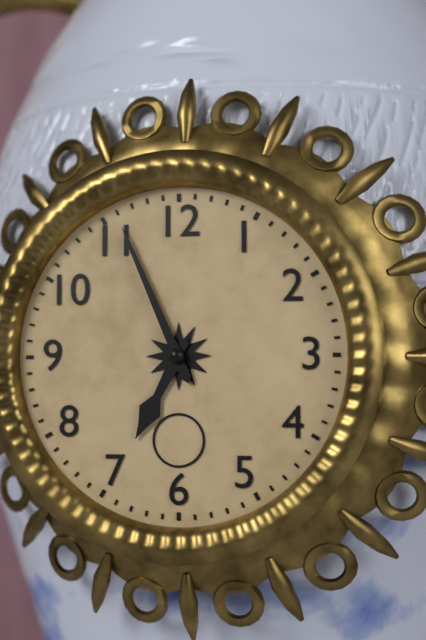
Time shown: **6:56**
